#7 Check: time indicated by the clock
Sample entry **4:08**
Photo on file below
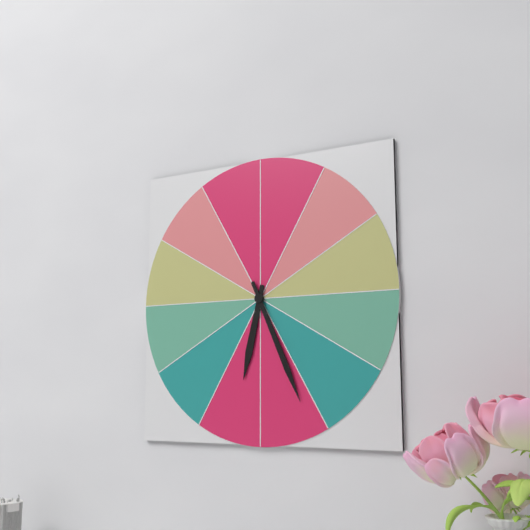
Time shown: **6:26**
